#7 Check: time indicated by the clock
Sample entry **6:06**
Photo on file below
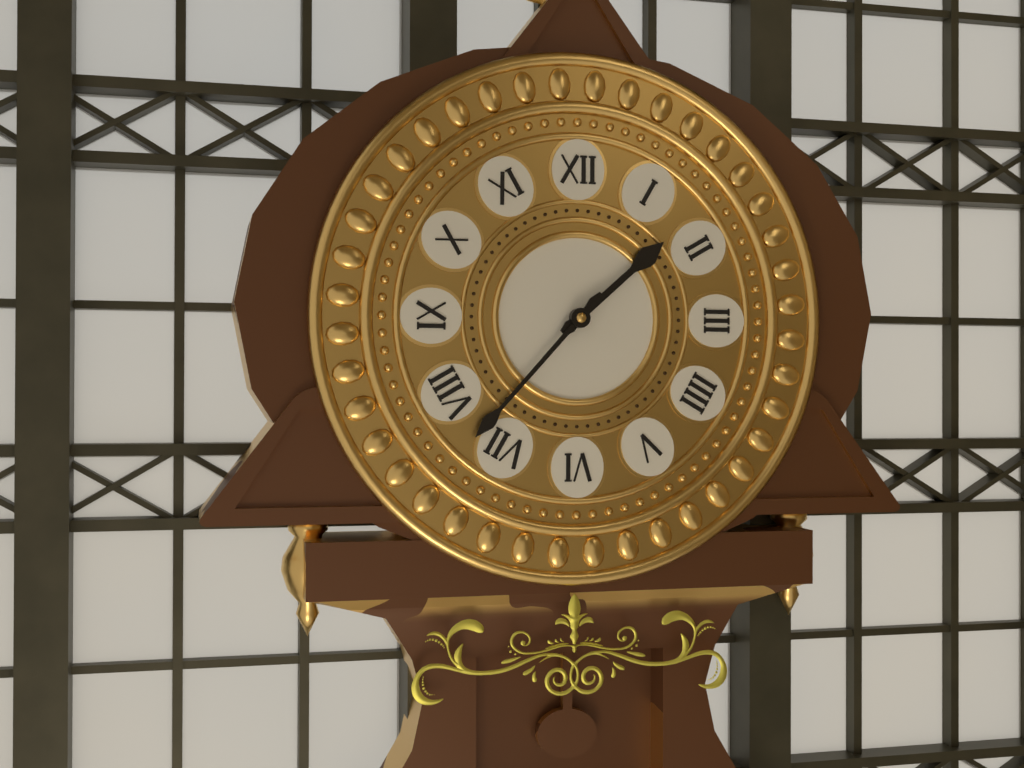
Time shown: **1:37**
